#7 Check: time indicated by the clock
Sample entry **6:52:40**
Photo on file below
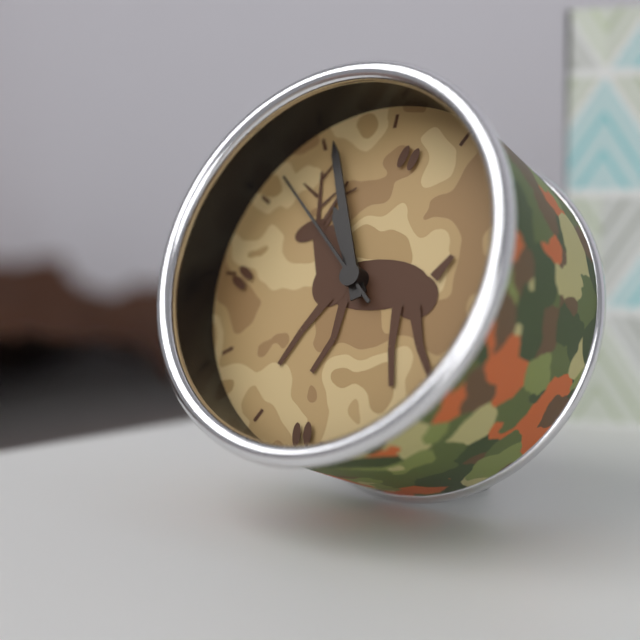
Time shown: **10:56:52**
